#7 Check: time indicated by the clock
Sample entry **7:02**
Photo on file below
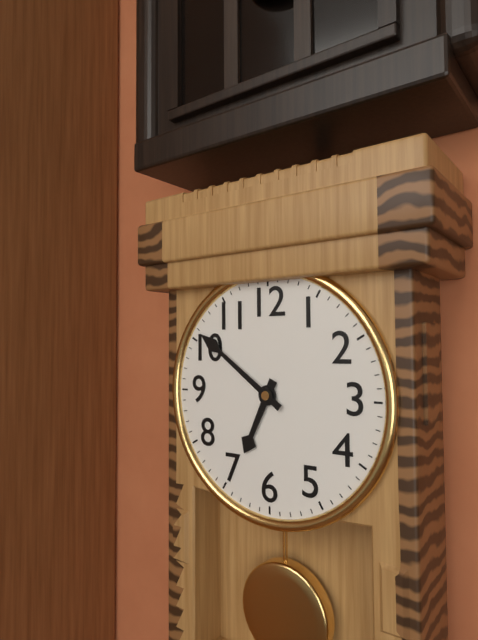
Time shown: **6:51**
